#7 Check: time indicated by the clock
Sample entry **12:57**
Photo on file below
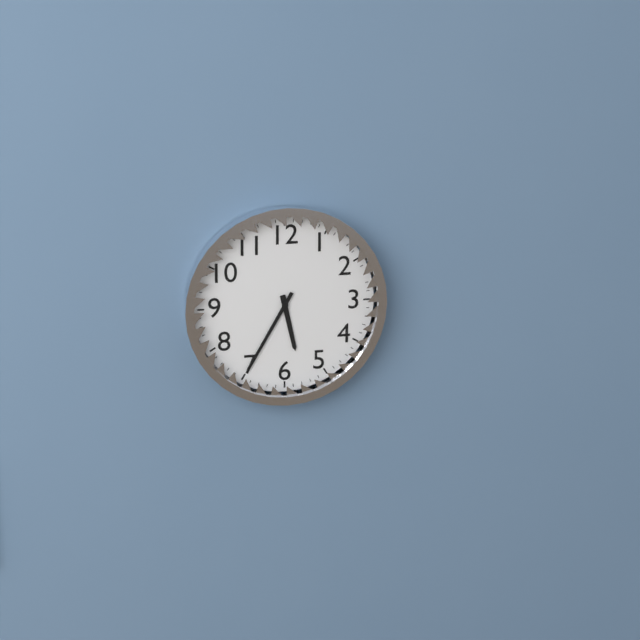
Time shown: **5:35**
